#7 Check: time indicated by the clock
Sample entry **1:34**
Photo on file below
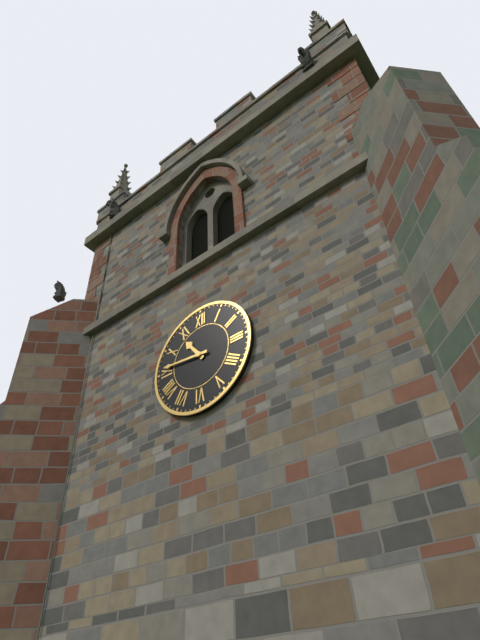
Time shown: **10:46**
